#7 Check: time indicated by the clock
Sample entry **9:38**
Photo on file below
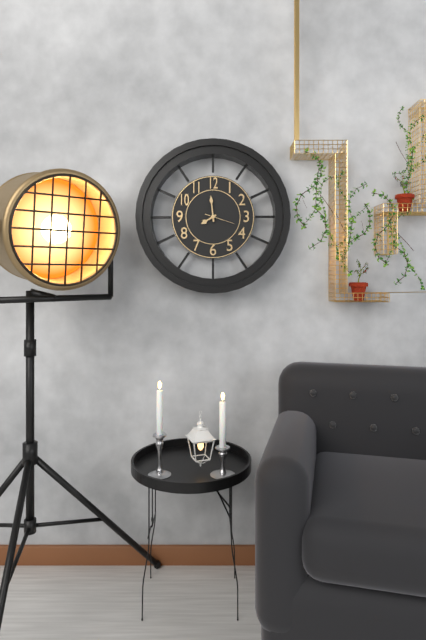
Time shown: **7:59**
